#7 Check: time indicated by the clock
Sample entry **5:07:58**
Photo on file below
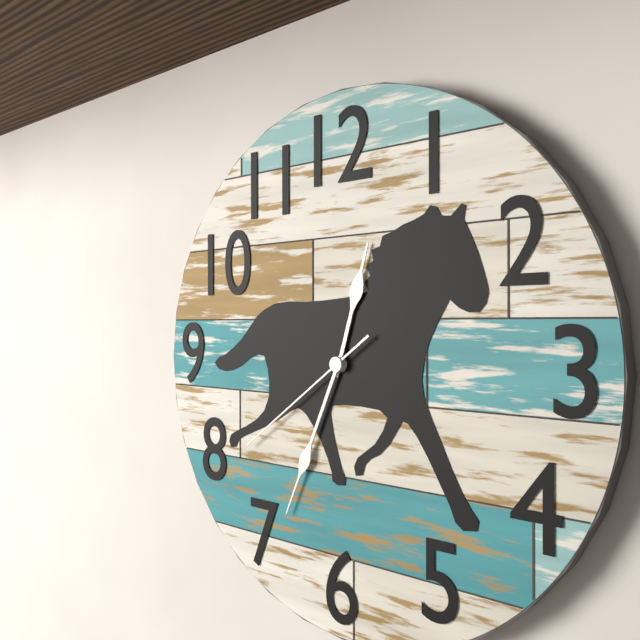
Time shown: **12:34:39**
